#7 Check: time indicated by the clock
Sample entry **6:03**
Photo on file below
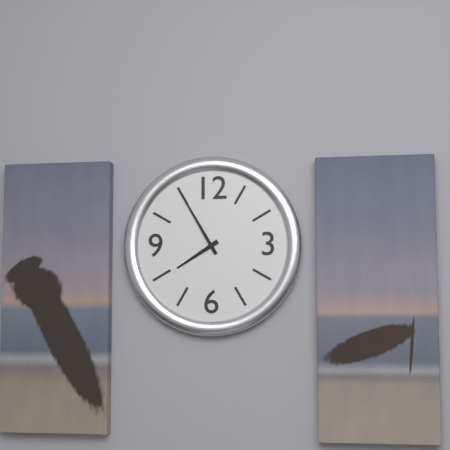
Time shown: **7:55**
